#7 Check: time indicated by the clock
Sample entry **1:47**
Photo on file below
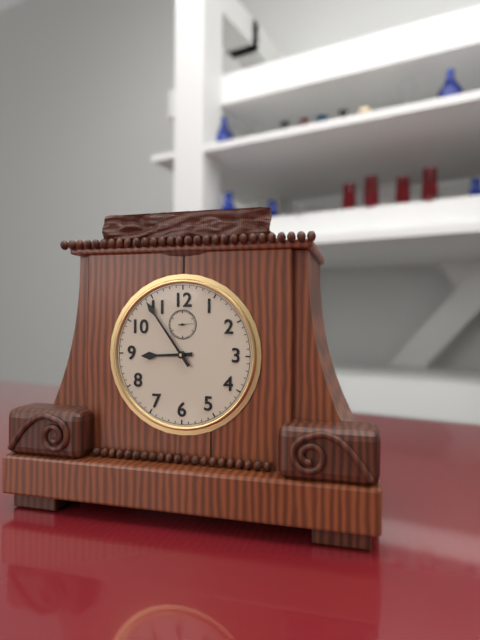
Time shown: **8:54**
